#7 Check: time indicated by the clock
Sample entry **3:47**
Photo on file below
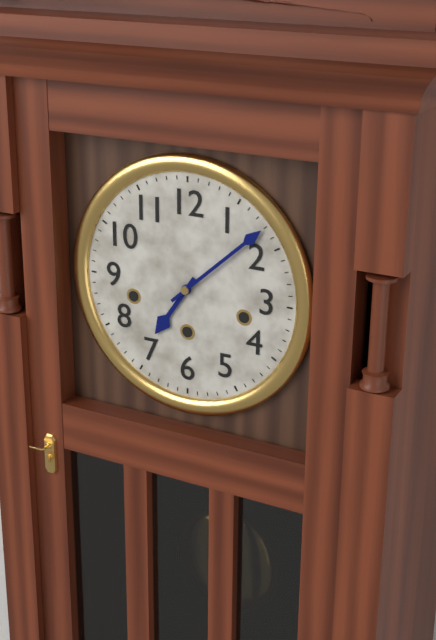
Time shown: **7:08**
